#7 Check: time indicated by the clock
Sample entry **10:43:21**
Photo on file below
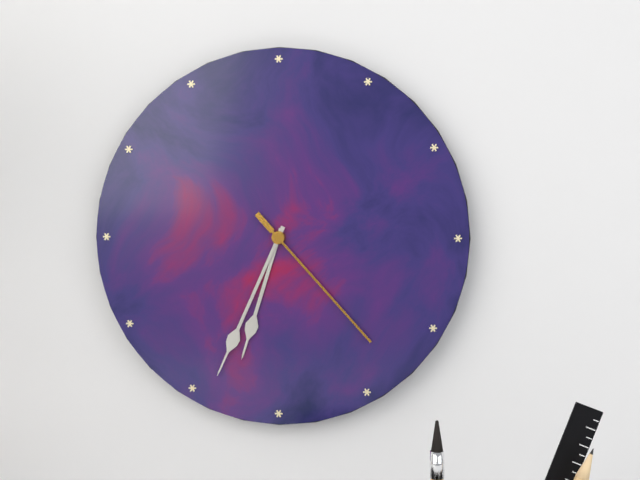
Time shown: **6:34:23**
